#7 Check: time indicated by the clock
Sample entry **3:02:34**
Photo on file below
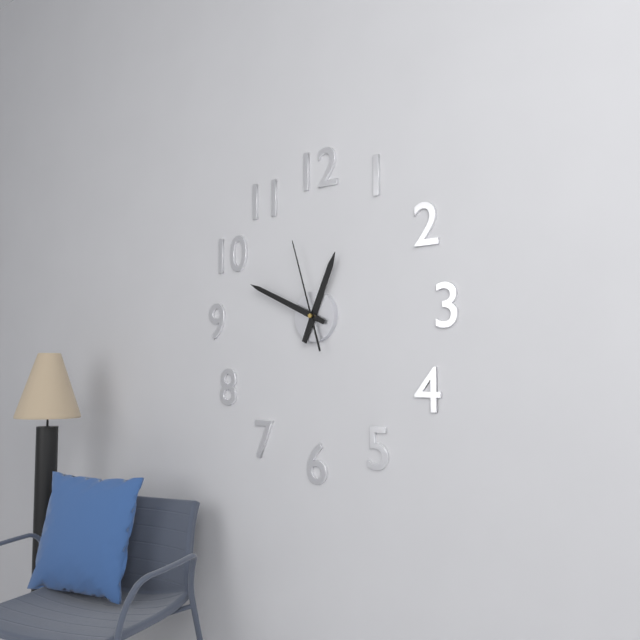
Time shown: **12:49:57**
